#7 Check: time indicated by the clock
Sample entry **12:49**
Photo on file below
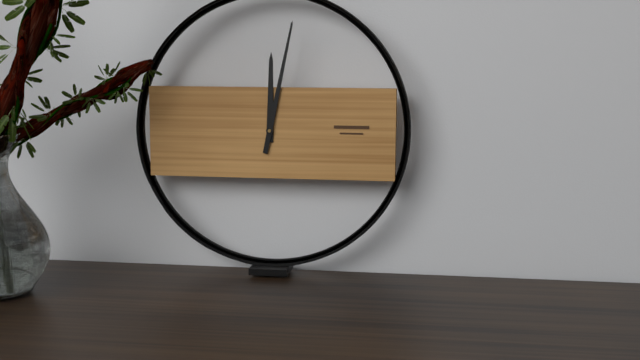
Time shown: **12:02**
